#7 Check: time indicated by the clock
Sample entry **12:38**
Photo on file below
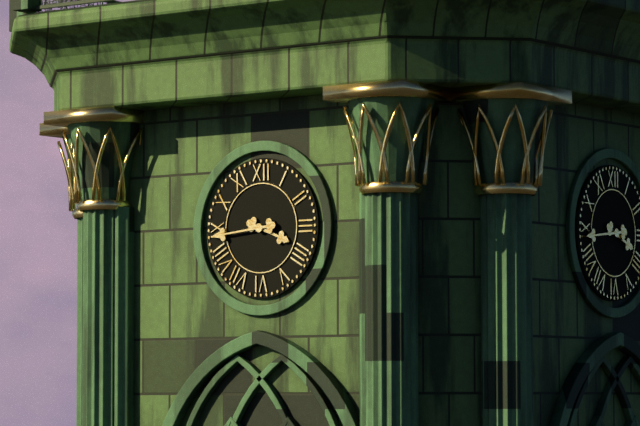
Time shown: **3:44**
